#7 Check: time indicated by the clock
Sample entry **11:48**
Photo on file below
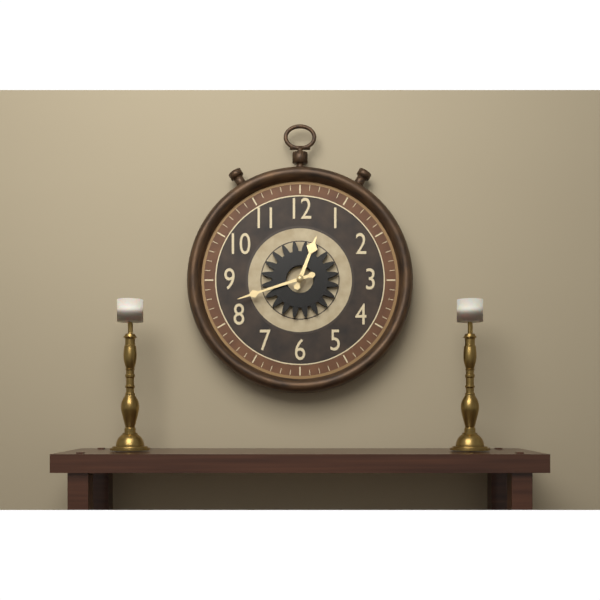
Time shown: **12:42**
